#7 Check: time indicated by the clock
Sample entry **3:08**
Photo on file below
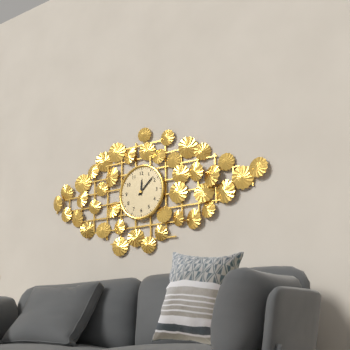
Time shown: **12:08**
